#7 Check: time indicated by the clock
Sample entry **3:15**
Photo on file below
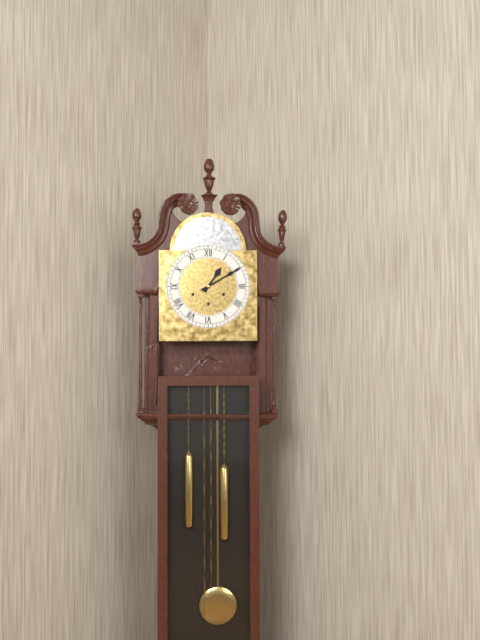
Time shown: **1:10**
